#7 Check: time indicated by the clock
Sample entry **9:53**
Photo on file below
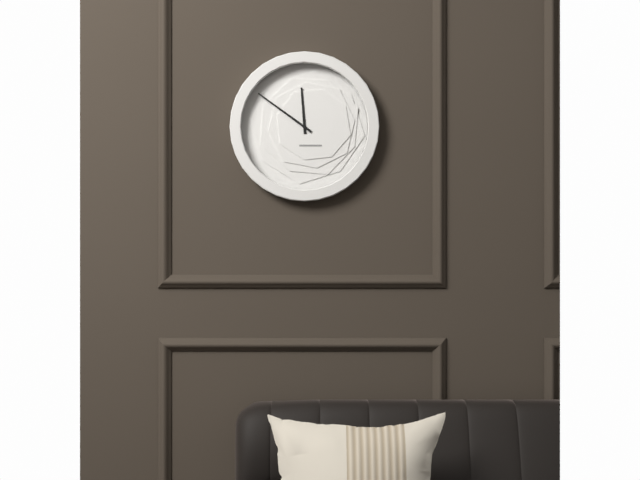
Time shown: **11:51**
